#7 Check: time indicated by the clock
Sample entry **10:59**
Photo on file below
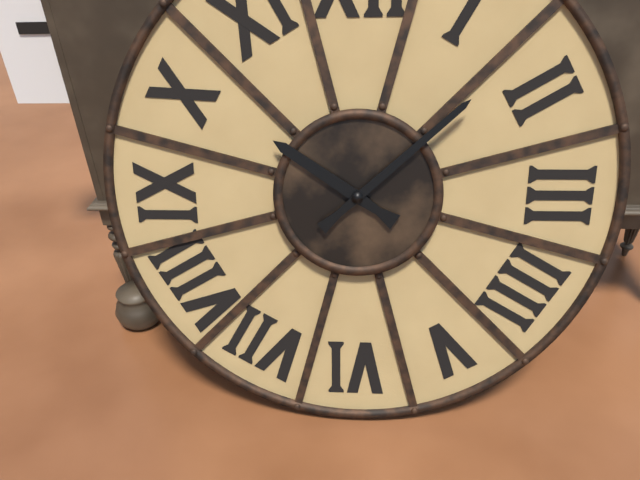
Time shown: **10:08**
